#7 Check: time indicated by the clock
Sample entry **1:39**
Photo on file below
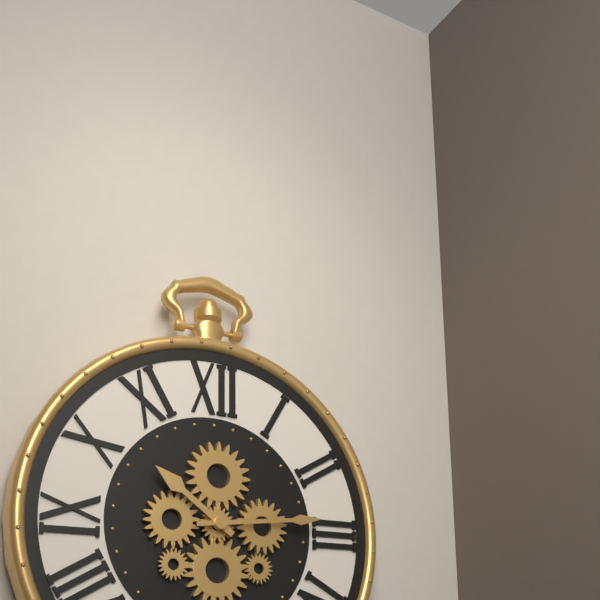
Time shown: **10:14**
